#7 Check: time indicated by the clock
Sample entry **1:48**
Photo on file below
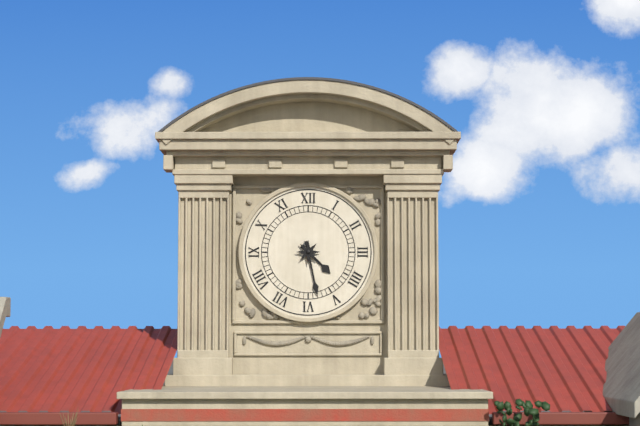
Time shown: **4:28**
